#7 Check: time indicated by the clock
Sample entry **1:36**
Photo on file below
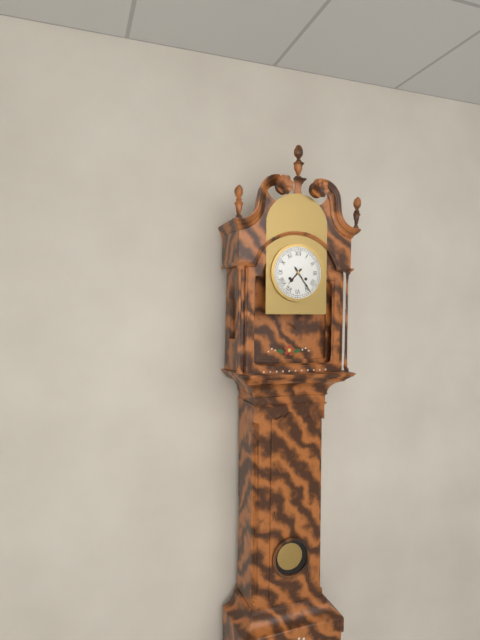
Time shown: **7:24**
